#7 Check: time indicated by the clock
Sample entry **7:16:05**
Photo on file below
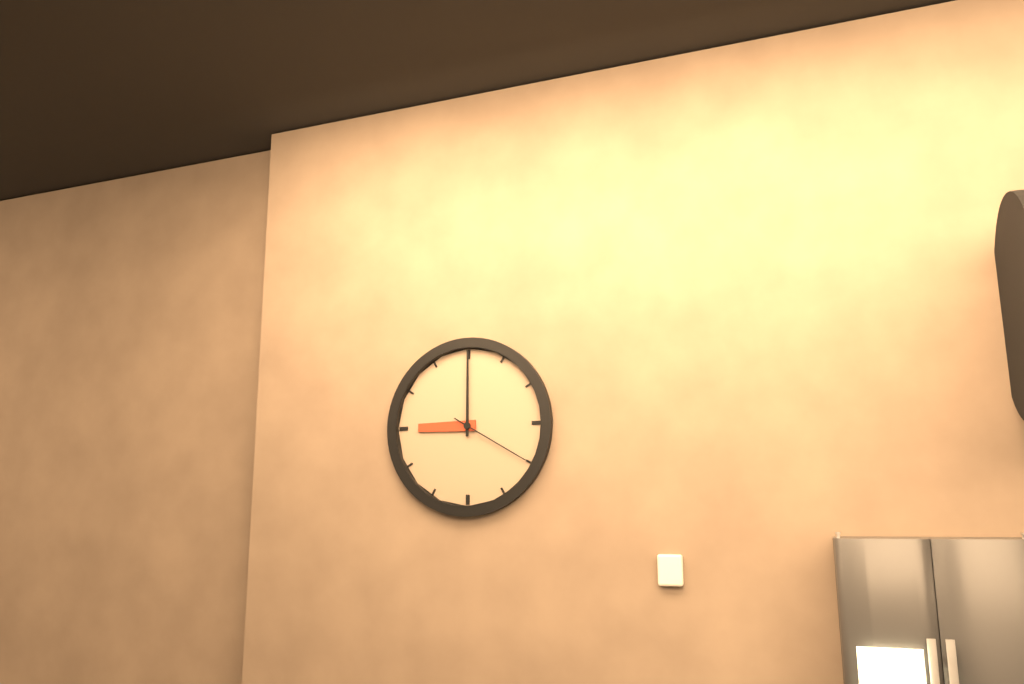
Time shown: **9:00:20**
